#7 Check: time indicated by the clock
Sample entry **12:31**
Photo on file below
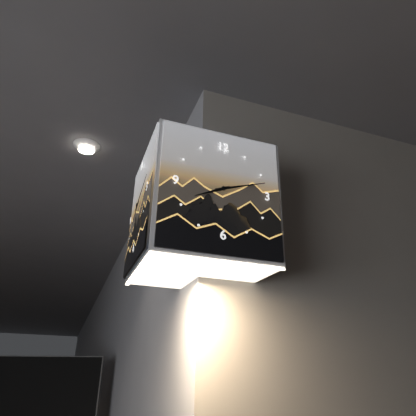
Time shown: **8:12**
